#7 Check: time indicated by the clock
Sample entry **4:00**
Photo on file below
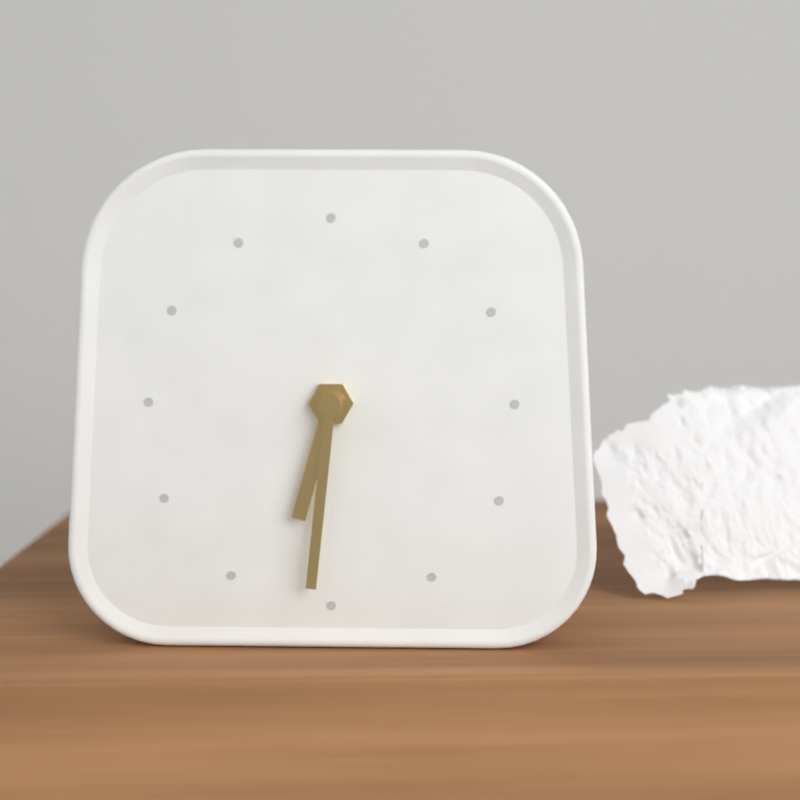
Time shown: **6:31**
